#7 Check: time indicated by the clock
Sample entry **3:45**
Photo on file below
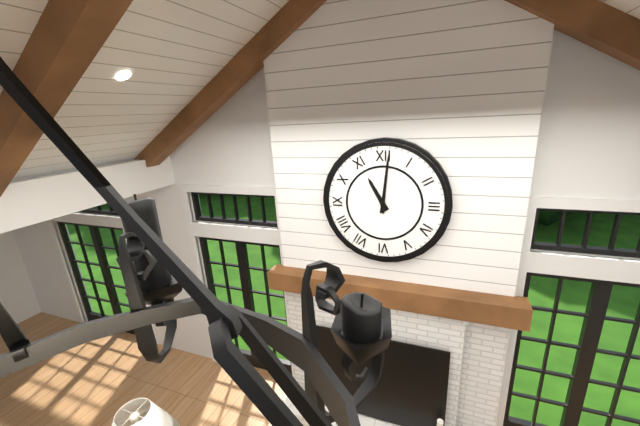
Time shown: **11:01**
